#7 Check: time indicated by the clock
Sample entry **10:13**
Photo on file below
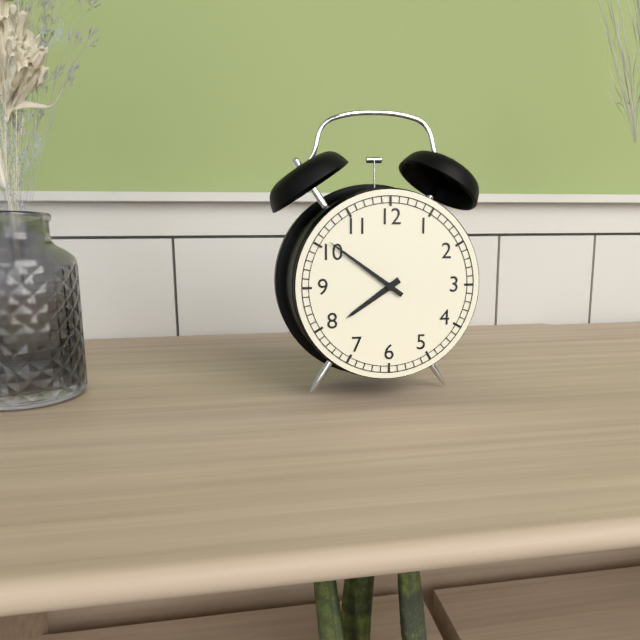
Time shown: **7:51**
